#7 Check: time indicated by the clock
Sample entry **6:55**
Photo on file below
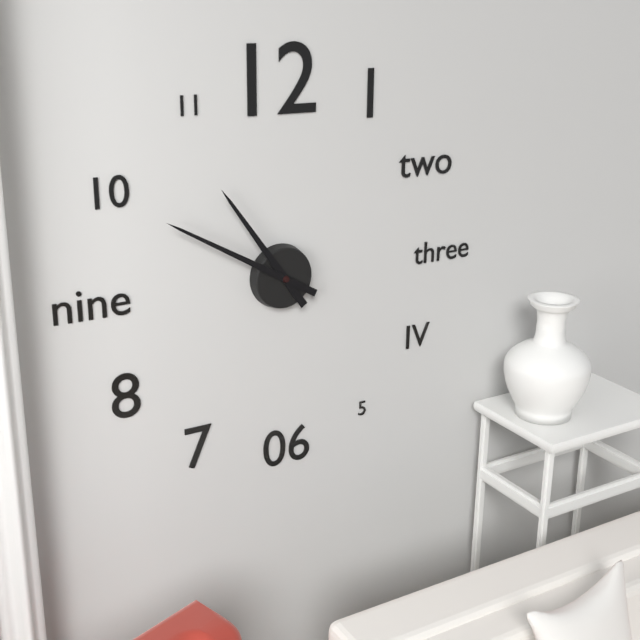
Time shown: **10:50**
